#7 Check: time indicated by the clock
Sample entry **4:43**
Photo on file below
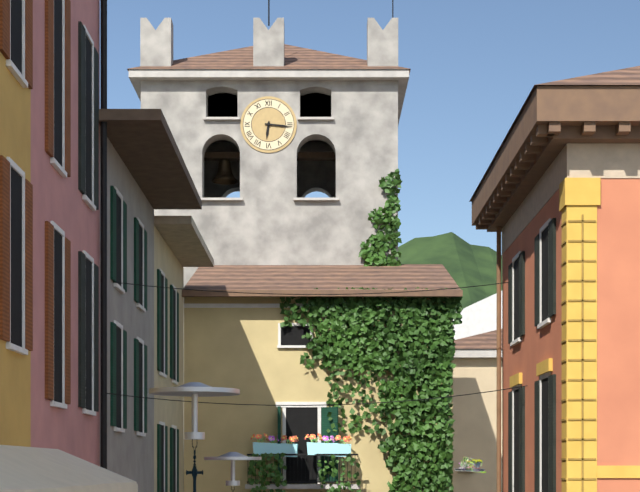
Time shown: **6:16**
